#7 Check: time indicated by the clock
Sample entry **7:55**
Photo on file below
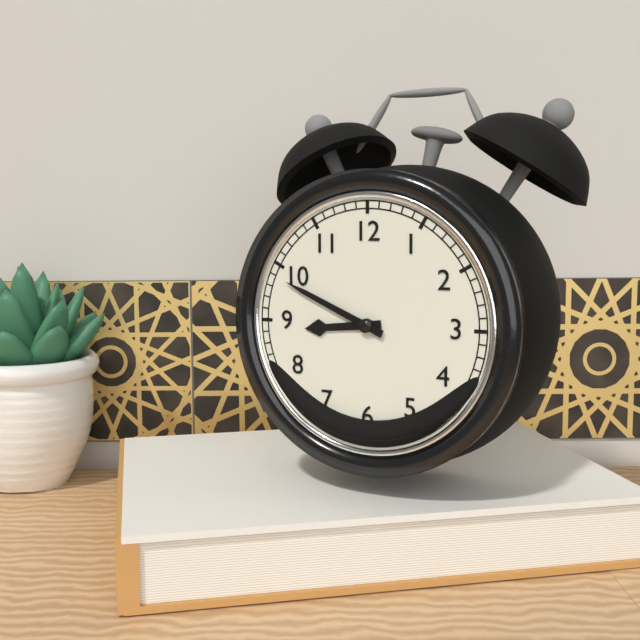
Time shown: **8:49**
